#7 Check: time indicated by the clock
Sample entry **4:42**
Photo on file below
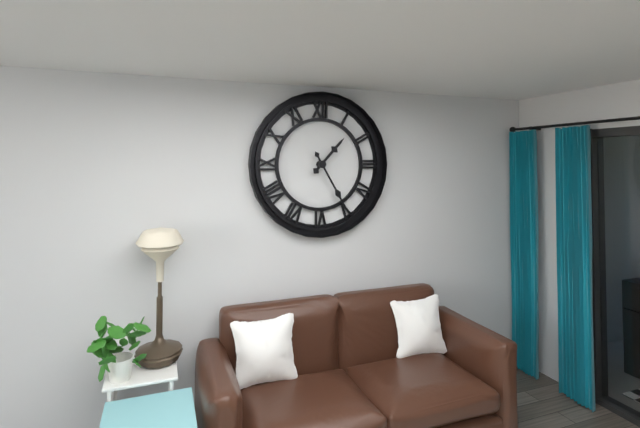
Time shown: **1:25**
